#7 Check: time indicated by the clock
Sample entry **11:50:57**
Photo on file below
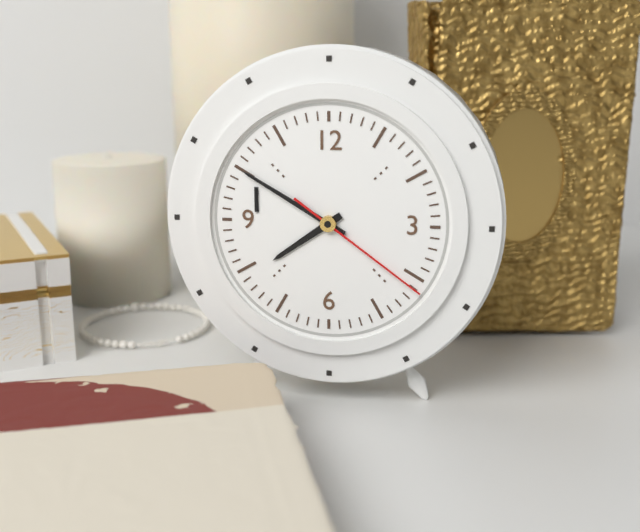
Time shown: **7:50:21**
